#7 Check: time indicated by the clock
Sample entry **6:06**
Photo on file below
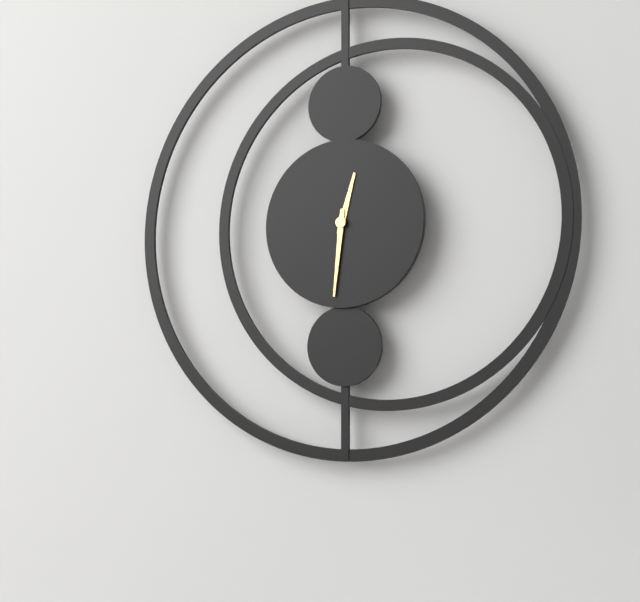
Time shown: **12:31**
